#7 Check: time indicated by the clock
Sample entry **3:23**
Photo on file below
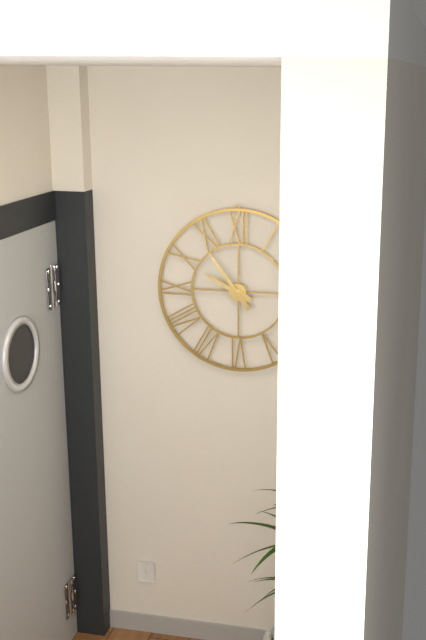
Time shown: **9:54**
